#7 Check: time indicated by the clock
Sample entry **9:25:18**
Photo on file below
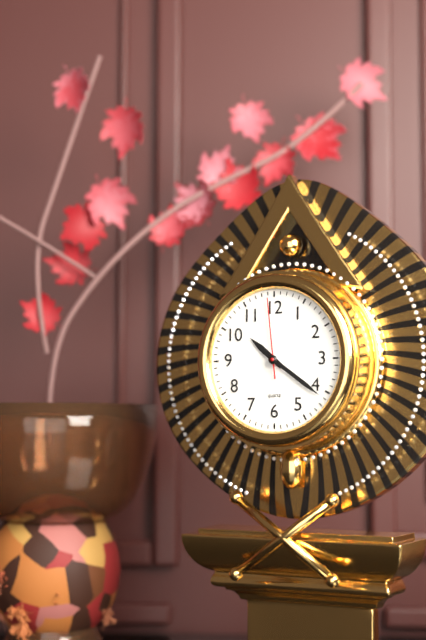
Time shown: **10:21:59**
